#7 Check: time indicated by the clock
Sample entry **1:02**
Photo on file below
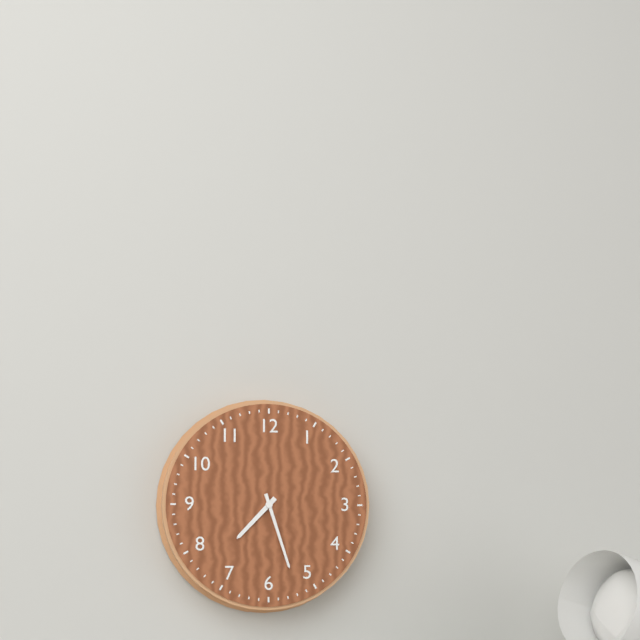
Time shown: **7:27**
